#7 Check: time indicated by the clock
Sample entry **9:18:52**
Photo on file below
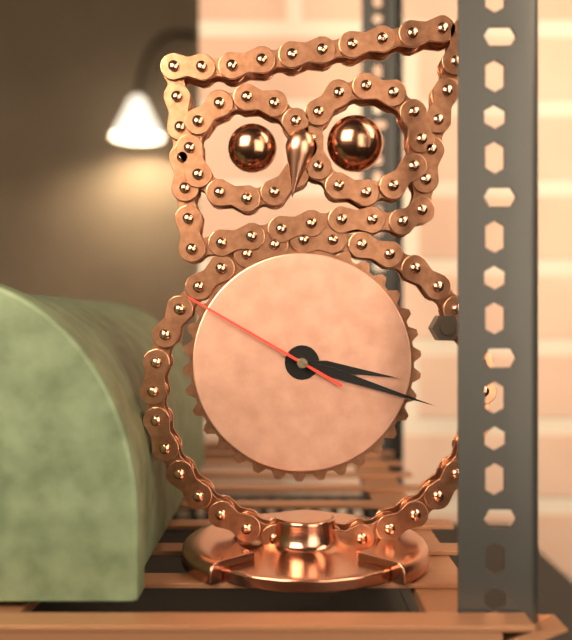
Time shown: **3:18:50**
